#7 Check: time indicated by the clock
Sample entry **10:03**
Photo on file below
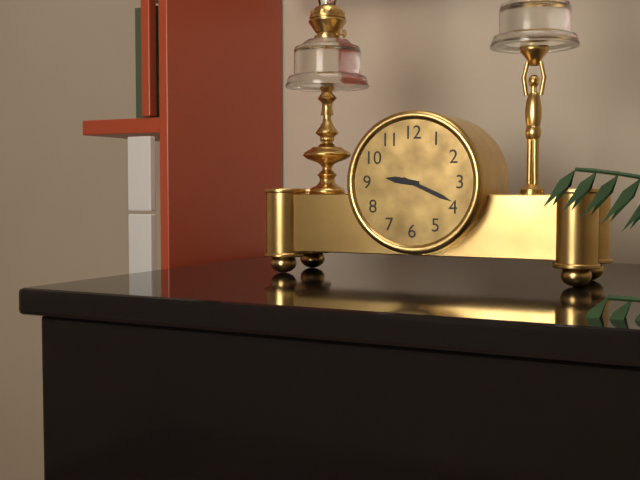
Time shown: **9:19**
